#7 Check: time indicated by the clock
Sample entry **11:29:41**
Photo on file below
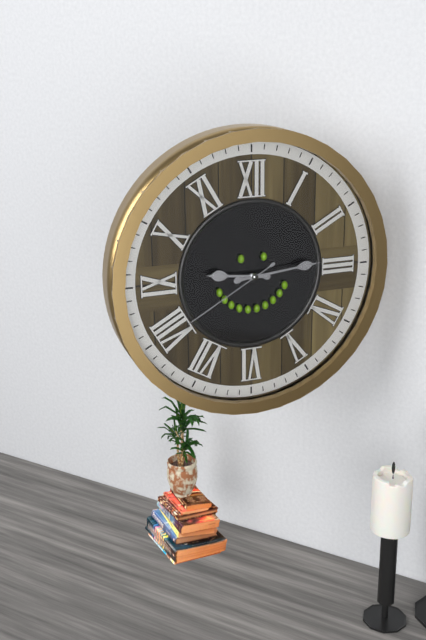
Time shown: **9:14:40**
